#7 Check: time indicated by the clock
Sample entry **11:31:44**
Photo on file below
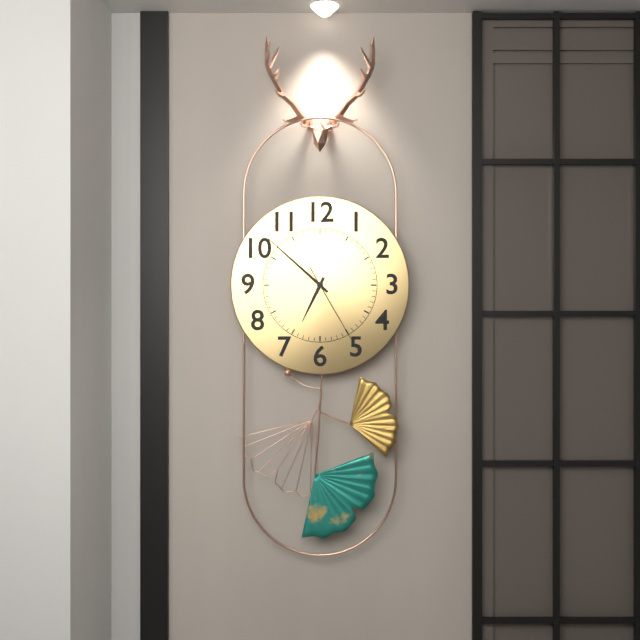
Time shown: **6:52:25**
